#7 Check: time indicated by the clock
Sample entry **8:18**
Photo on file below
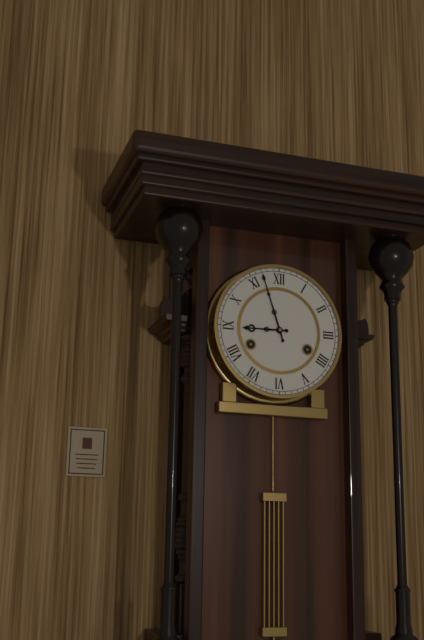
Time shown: **8:57**
